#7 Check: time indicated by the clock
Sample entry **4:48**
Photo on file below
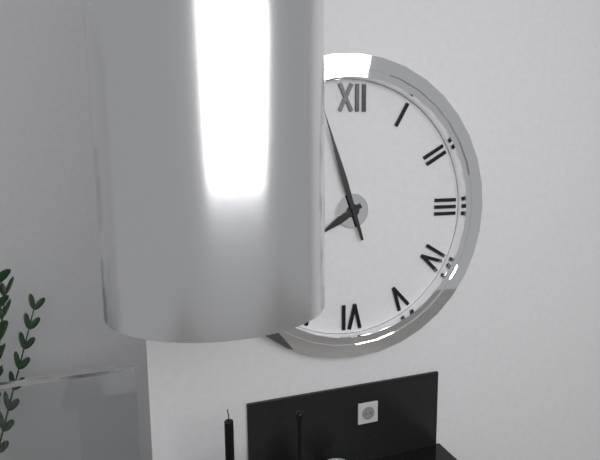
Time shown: **7:57**
